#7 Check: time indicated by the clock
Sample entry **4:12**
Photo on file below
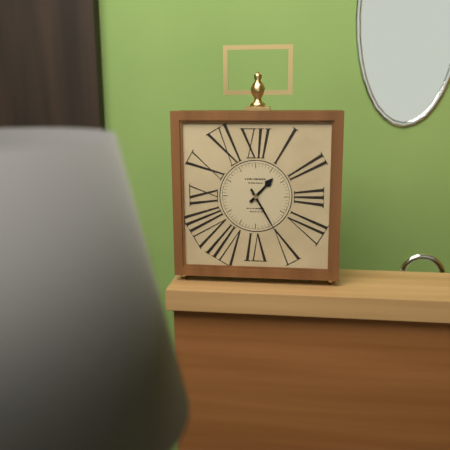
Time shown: **1:25**
